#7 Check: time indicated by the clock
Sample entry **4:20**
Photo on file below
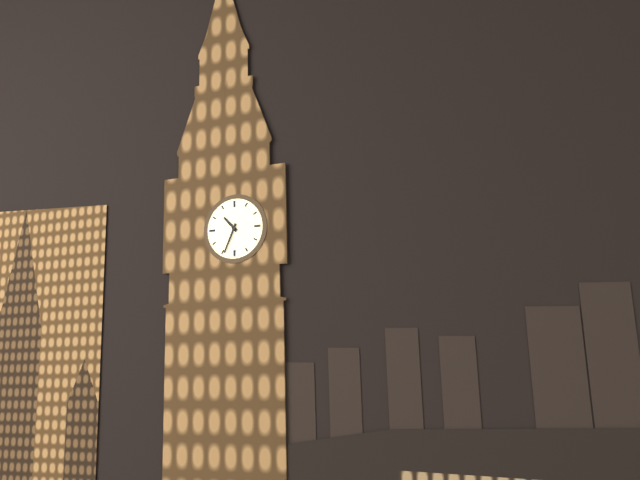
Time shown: **10:34**
